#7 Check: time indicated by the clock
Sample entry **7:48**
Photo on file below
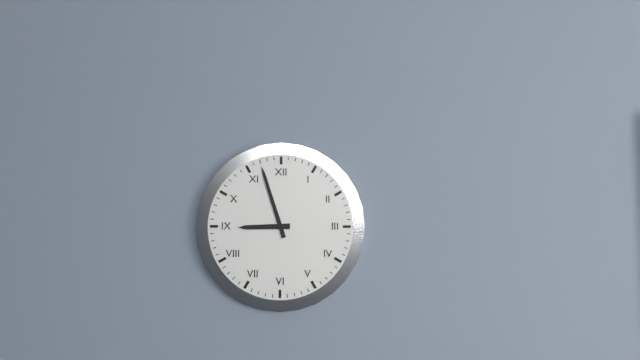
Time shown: **8:57**
